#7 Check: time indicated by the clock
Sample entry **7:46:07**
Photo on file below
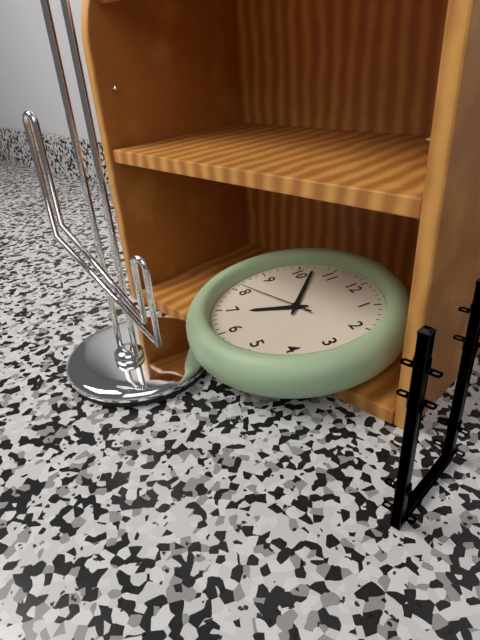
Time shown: **6:52:41**
